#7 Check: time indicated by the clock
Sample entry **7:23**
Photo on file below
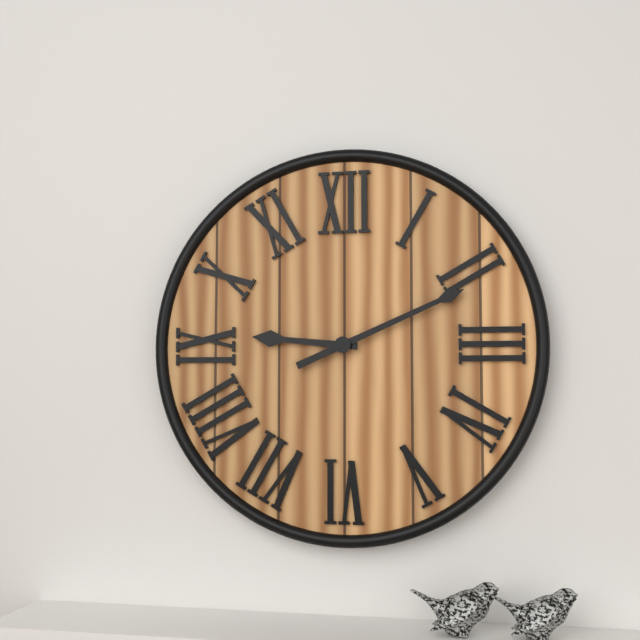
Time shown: **9:11**
